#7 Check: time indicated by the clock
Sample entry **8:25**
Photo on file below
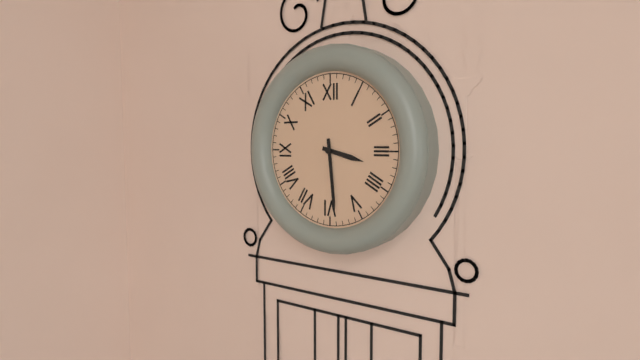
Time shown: **3:29**
